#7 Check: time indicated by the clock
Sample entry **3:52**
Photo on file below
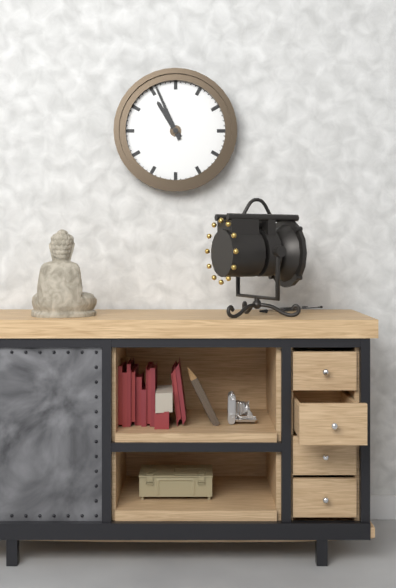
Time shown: **10:56**
